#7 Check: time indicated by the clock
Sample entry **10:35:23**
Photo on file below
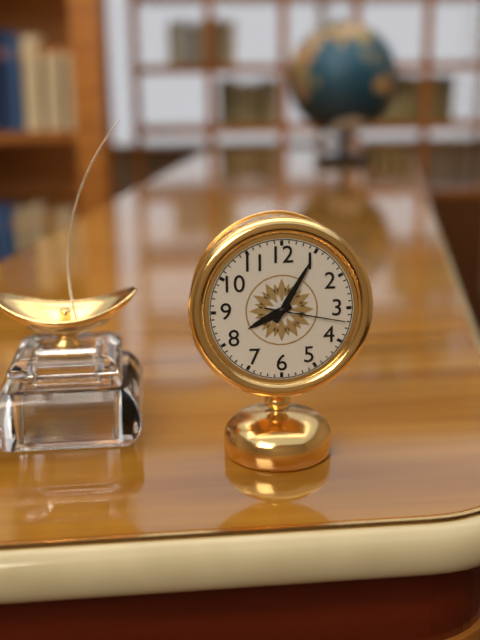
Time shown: **8:05:17**
